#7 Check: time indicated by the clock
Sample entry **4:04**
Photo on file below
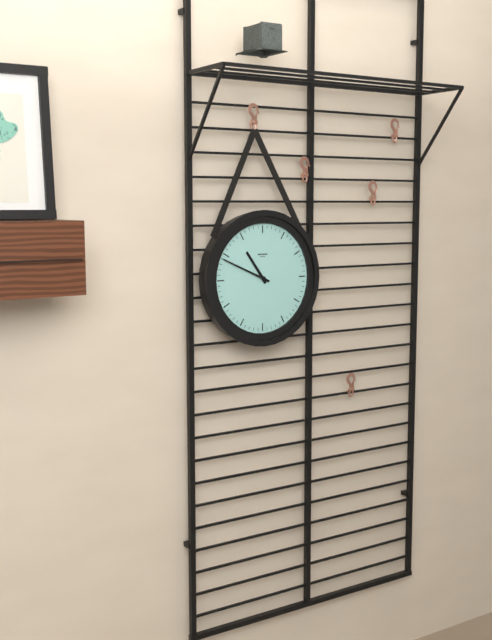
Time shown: **10:49**
